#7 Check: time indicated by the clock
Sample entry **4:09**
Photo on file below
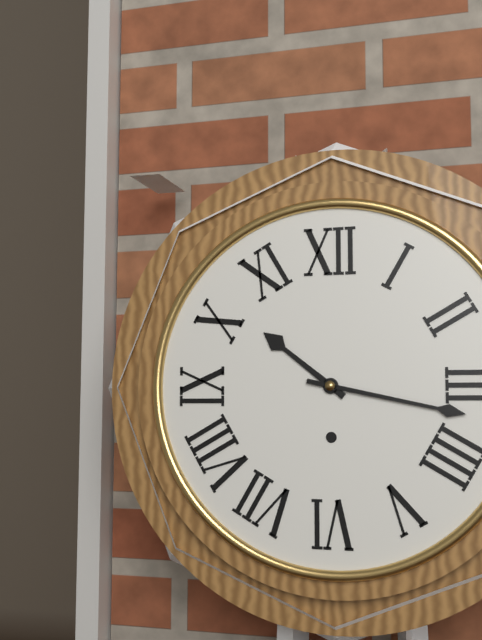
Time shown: **10:17**
